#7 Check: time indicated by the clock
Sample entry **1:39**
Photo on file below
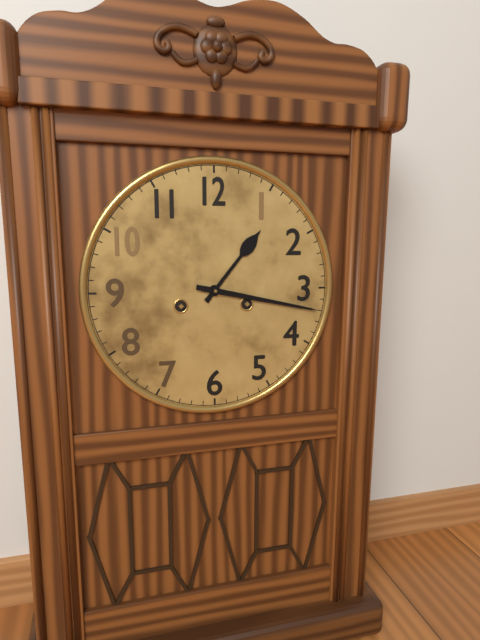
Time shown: **1:17**
